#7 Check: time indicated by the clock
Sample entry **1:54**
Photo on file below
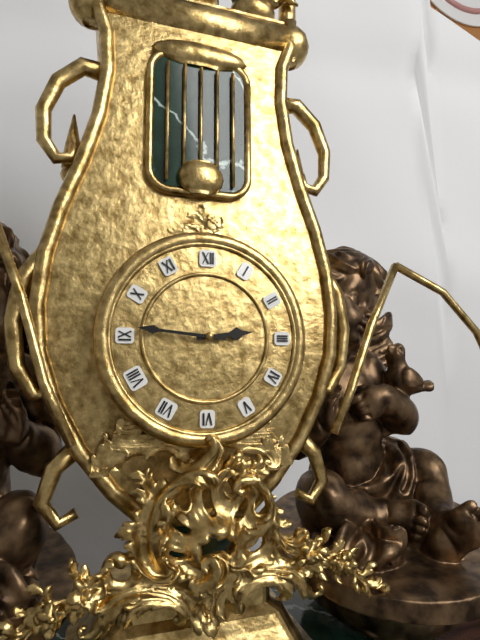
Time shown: **2:46**
